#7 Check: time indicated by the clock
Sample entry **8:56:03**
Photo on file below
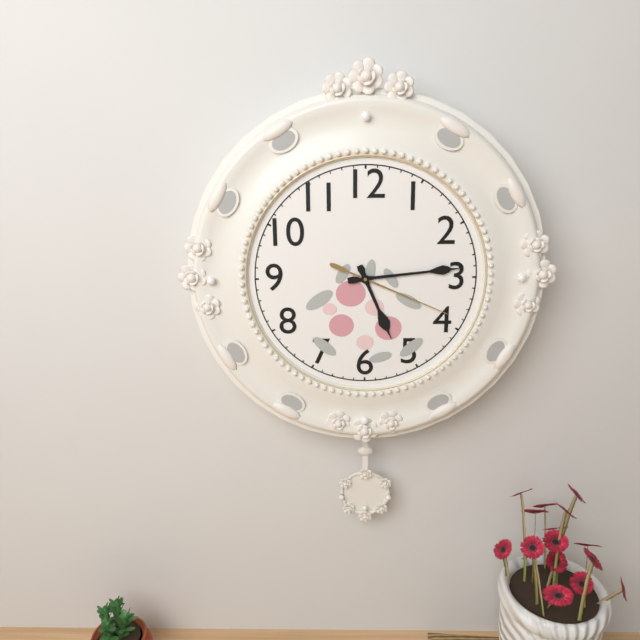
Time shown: **5:14:19**
